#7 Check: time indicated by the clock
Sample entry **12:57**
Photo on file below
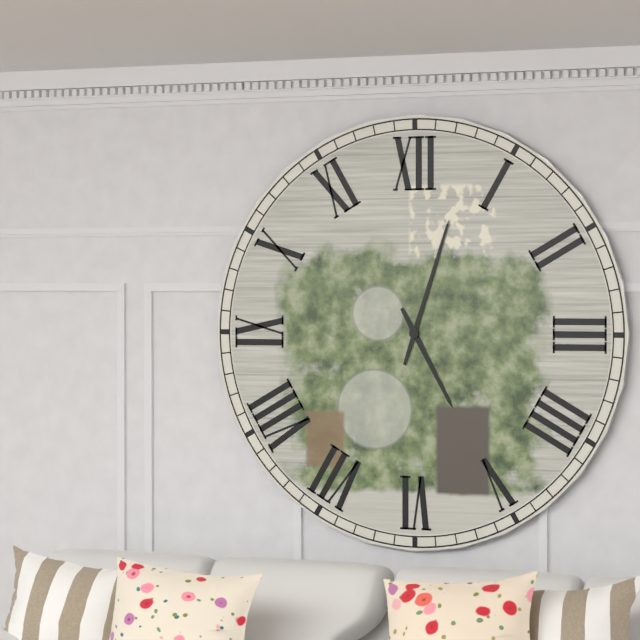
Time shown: **5:03**
